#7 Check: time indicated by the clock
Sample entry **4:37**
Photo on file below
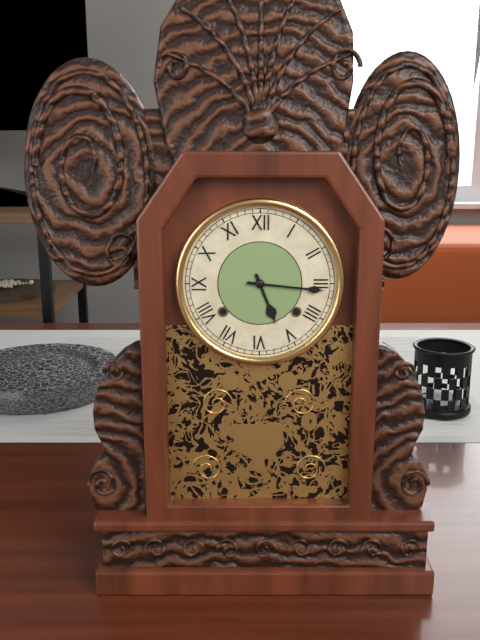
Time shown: **5:16**
